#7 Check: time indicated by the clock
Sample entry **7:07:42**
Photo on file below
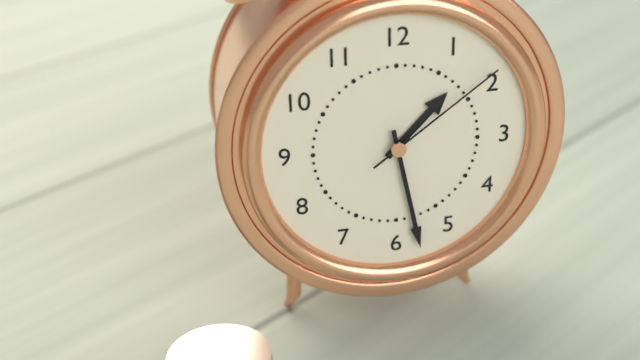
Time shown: **1:28:09**
